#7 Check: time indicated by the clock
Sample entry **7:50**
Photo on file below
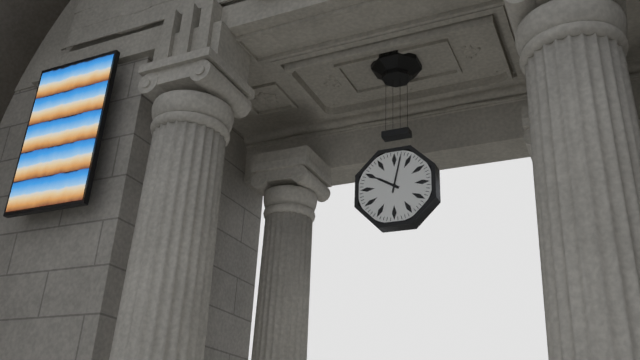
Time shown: **10:02**
